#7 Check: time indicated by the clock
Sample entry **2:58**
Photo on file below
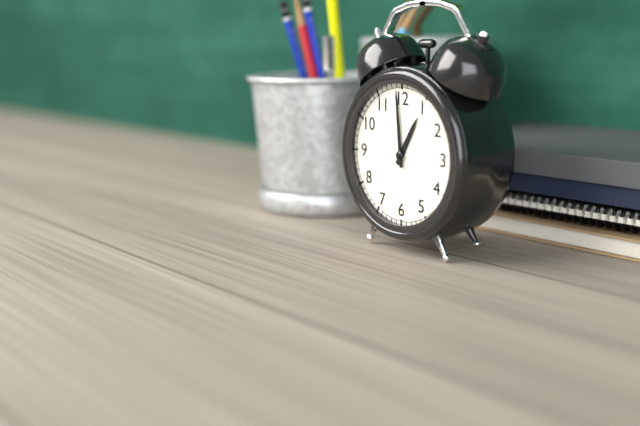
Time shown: **12:59**
